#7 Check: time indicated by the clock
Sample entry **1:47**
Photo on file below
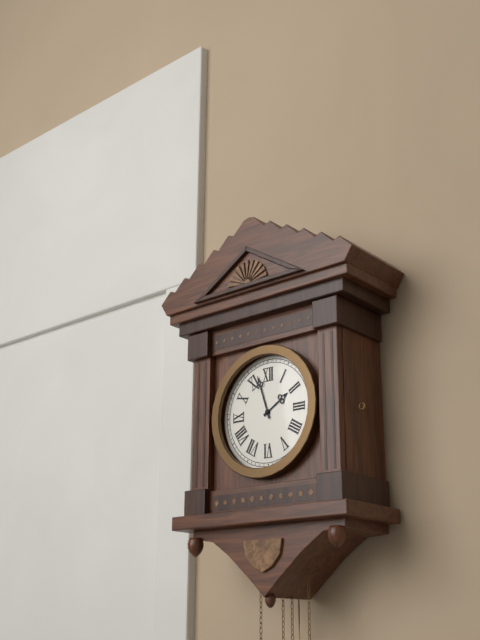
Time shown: **1:57**
